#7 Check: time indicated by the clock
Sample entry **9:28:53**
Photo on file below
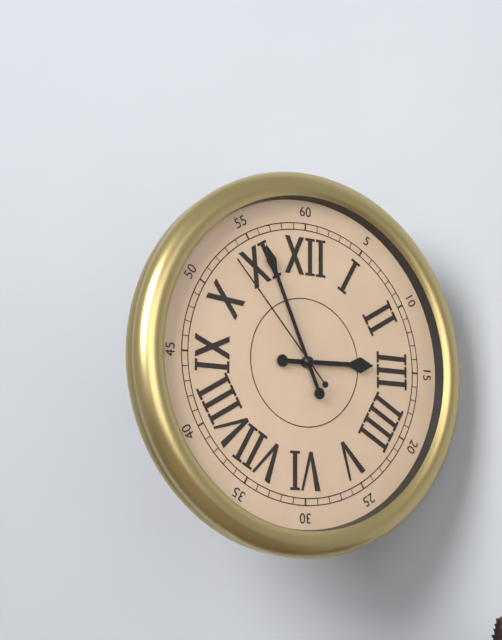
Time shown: **2:56:53**
